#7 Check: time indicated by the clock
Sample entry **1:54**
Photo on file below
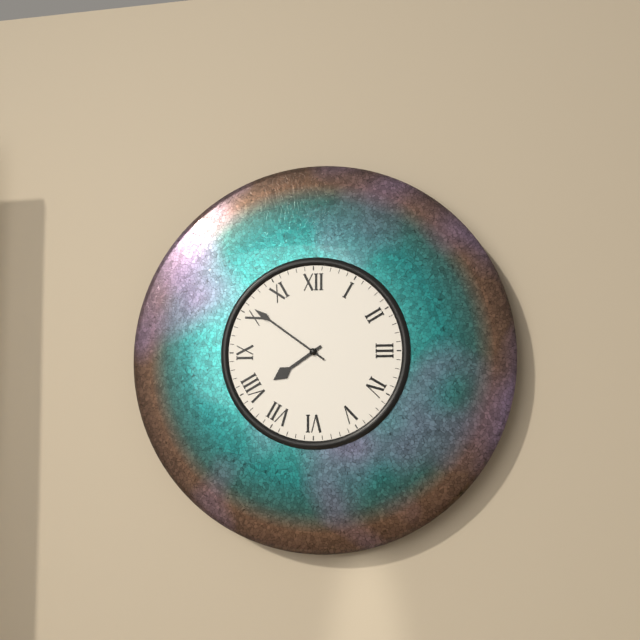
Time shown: **7:51**
